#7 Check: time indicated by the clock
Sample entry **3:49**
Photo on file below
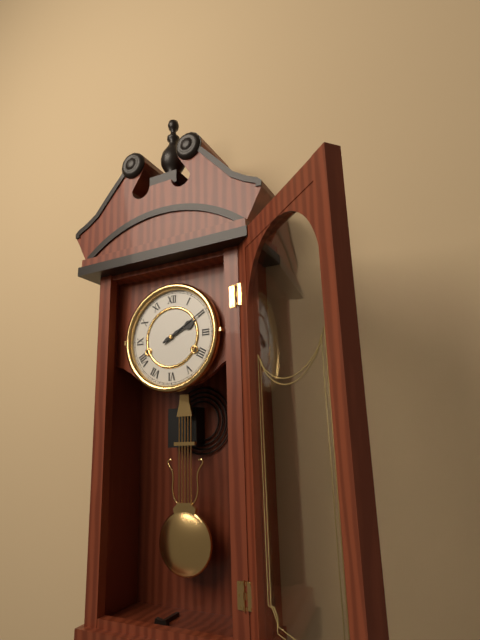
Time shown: **2:10**
